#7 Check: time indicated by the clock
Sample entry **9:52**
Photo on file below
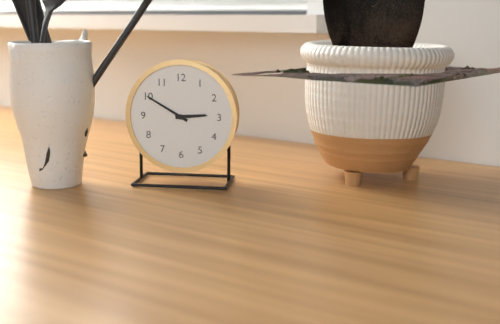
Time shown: **2:50**
